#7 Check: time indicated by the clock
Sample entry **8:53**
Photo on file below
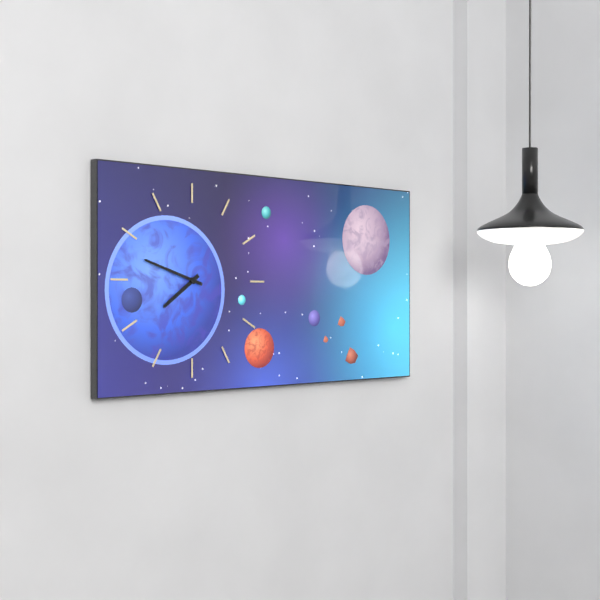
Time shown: **7:48**
